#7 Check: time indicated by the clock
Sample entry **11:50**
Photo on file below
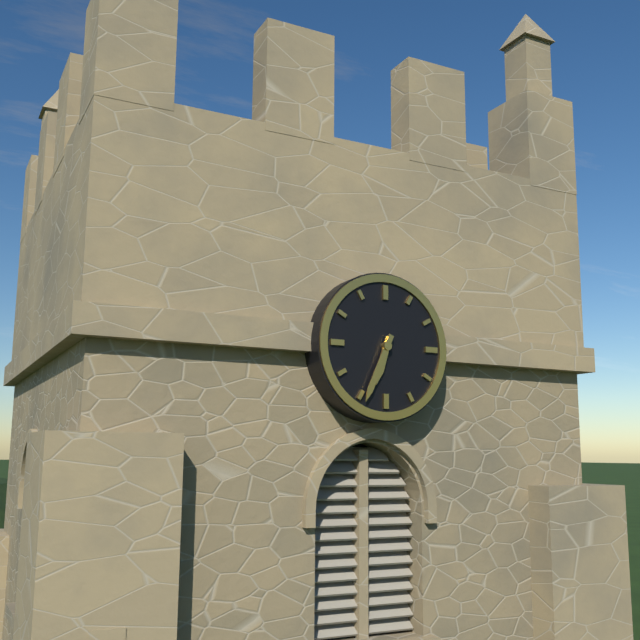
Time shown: **6:34**
